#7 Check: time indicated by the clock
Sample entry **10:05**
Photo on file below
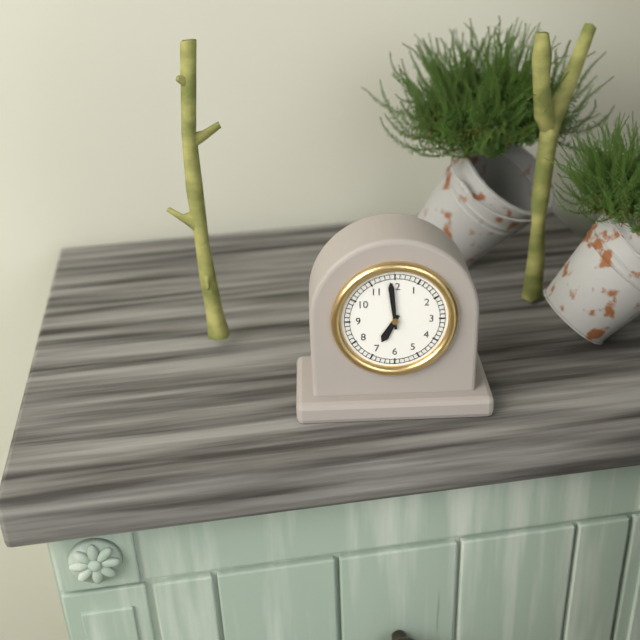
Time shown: **6:59**
